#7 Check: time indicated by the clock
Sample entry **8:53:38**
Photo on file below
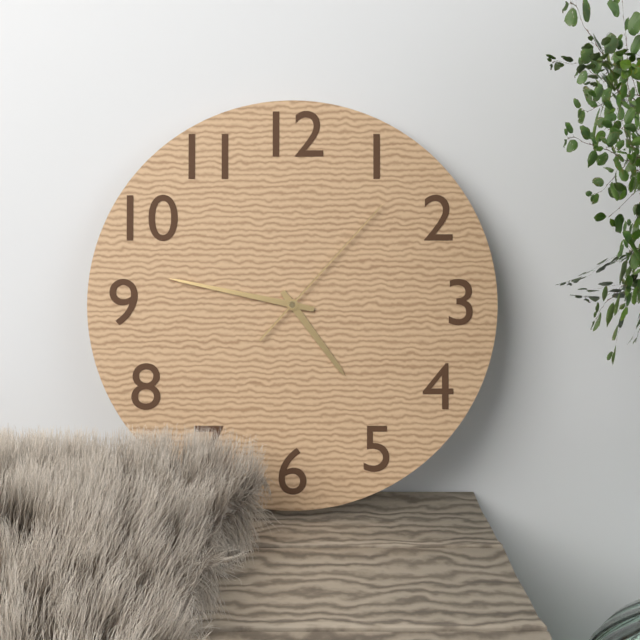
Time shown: **4:47:07**
